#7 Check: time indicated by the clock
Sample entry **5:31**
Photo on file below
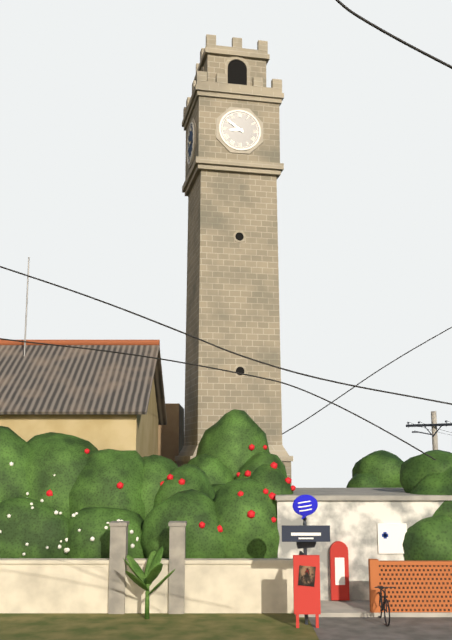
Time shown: **8:51**
